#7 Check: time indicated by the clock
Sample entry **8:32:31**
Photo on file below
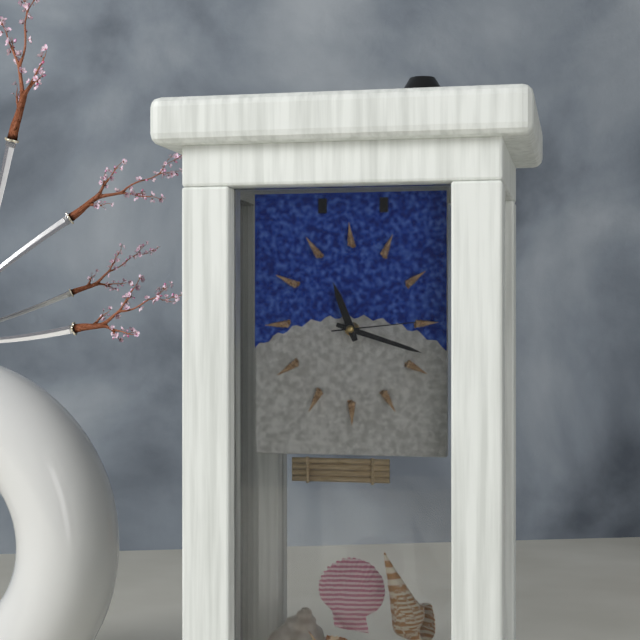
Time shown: **11:18:14**
